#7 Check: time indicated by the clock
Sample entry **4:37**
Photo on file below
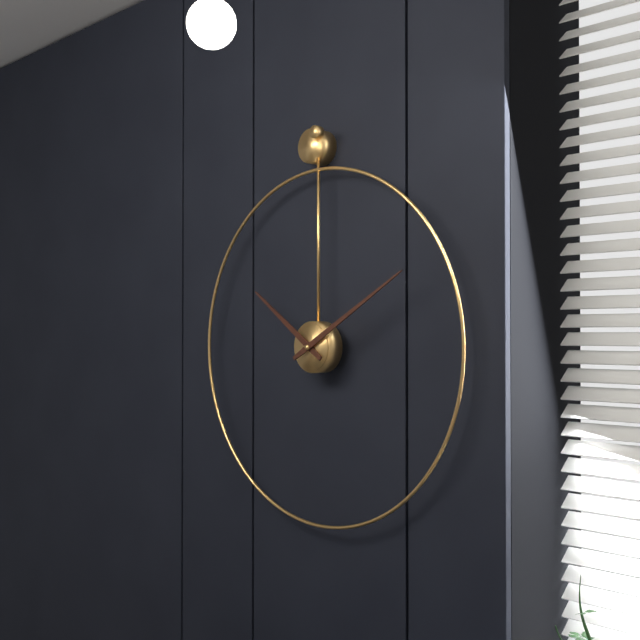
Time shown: **10:10**
